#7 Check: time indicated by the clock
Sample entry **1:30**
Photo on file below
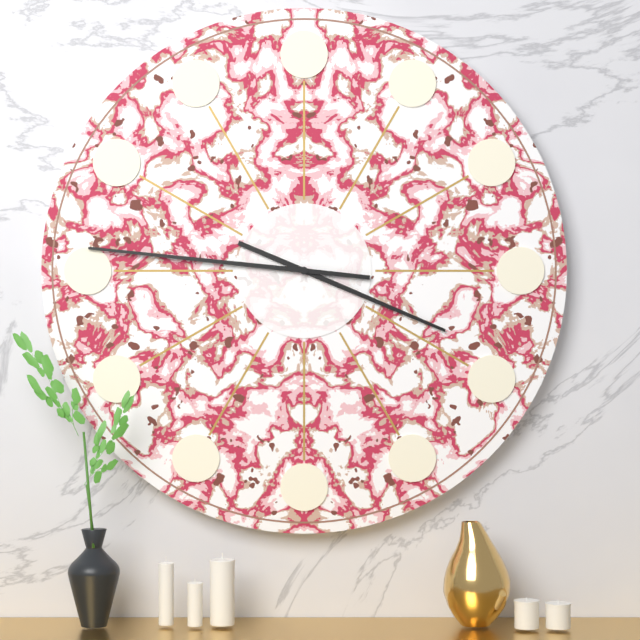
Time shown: **3:46**
